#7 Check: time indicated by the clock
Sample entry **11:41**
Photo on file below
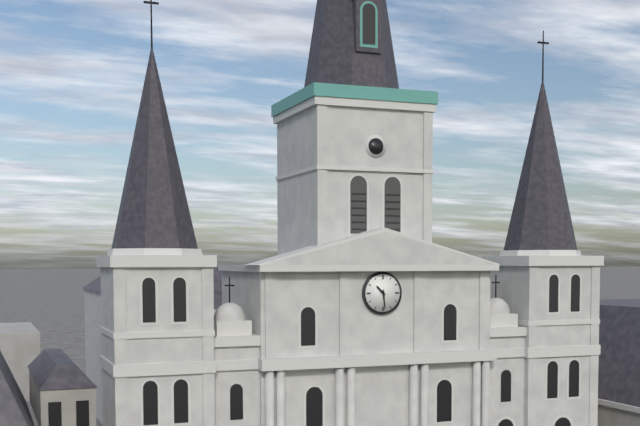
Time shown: **10:29**
